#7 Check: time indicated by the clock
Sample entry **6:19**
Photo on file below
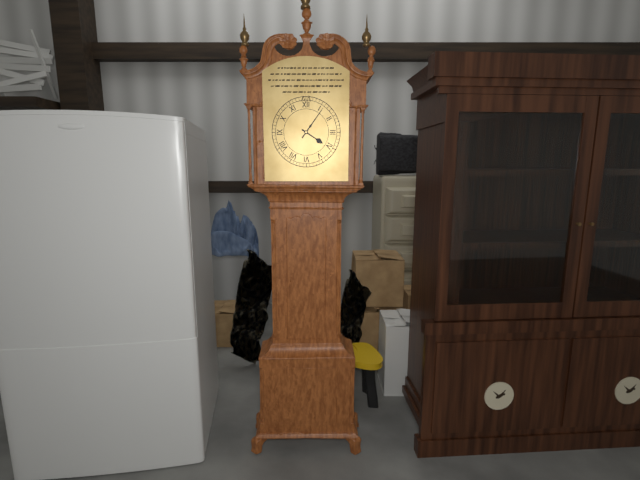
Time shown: **4:06**
